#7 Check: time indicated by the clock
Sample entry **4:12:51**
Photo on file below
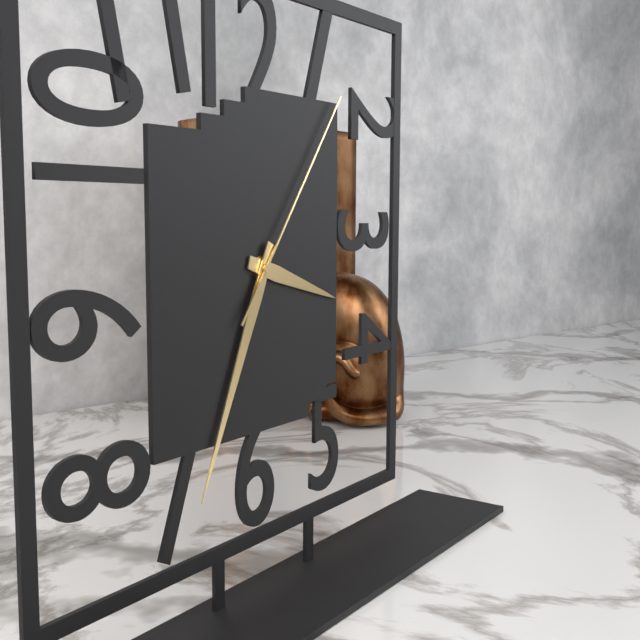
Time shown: **3:34:06**
